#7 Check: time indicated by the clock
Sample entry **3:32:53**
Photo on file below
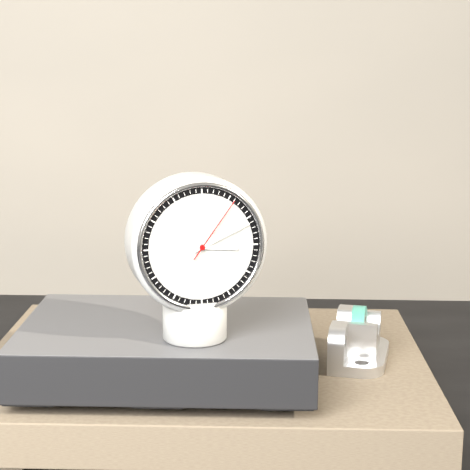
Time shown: **3:11:06**
